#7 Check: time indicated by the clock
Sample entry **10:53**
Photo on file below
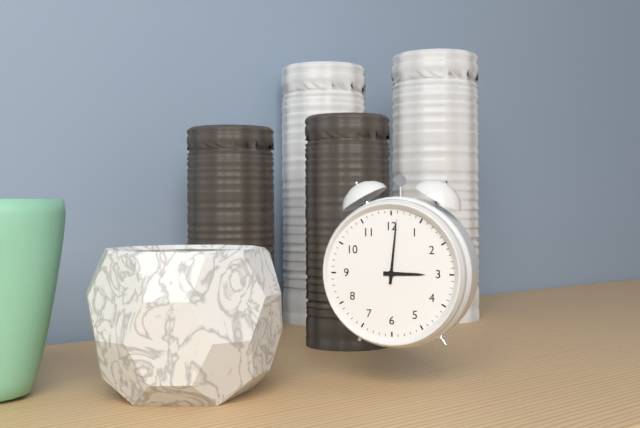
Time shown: **3:01**
